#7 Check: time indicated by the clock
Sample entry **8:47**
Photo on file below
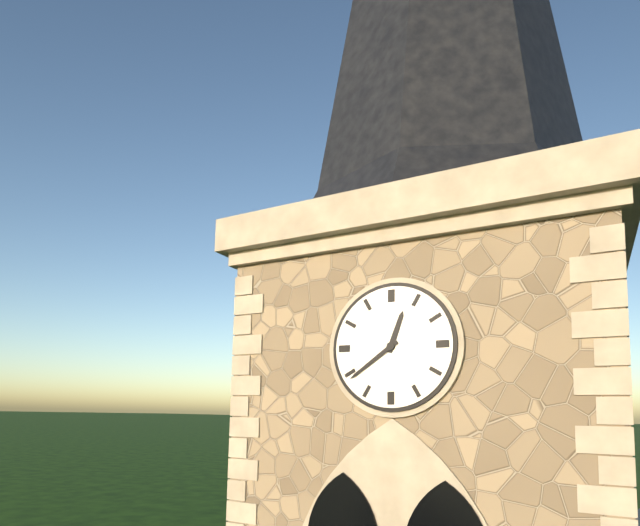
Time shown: **12:39**
